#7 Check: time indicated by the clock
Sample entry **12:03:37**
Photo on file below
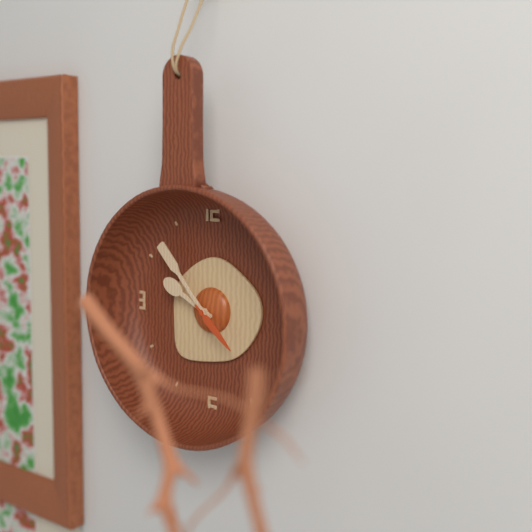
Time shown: **9:53:22**
